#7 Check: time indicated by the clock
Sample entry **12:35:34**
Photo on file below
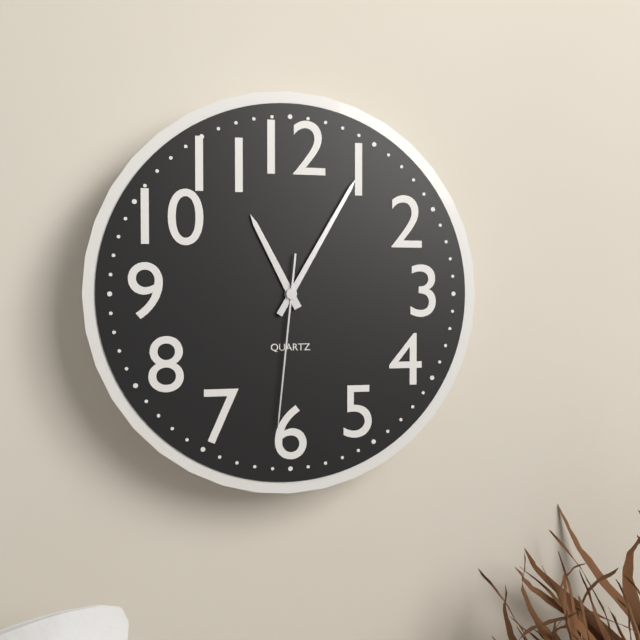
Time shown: **11:05:31**
